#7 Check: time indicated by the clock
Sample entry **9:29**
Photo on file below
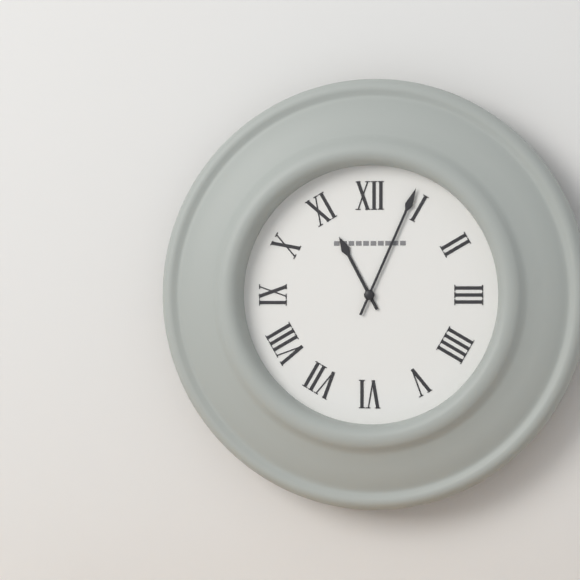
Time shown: **11:04**
